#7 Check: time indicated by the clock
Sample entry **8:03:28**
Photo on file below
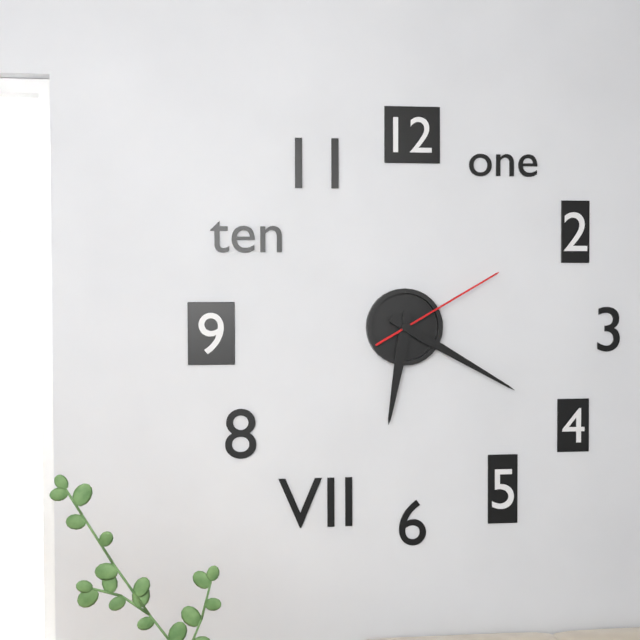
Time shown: **6:20:10**
